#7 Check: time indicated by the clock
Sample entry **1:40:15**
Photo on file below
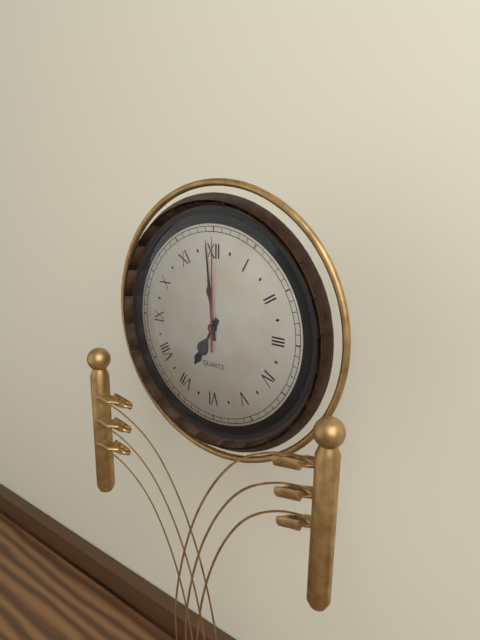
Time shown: **6:59:00**
